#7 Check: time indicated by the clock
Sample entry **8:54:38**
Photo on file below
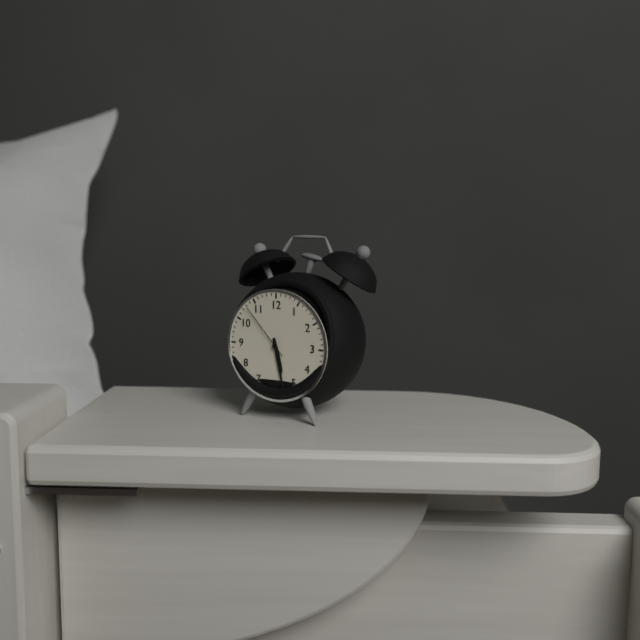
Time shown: **5:28:53**
